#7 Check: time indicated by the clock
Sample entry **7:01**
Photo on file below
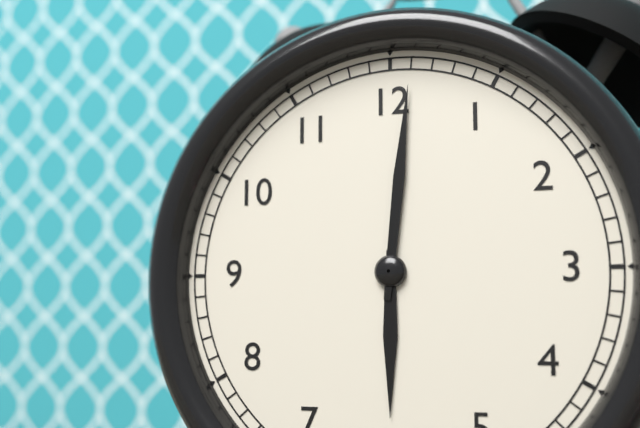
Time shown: **6:01**
